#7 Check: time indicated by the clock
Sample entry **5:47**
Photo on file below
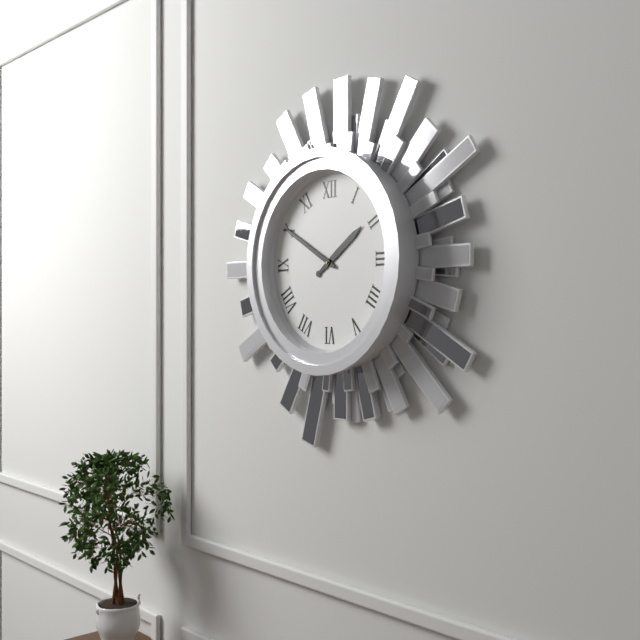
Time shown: **1:50**
